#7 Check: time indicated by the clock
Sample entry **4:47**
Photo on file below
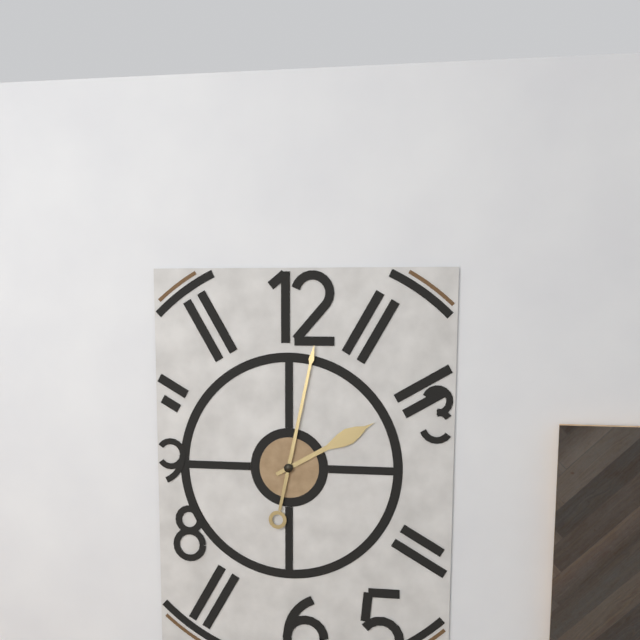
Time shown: **2:02**
